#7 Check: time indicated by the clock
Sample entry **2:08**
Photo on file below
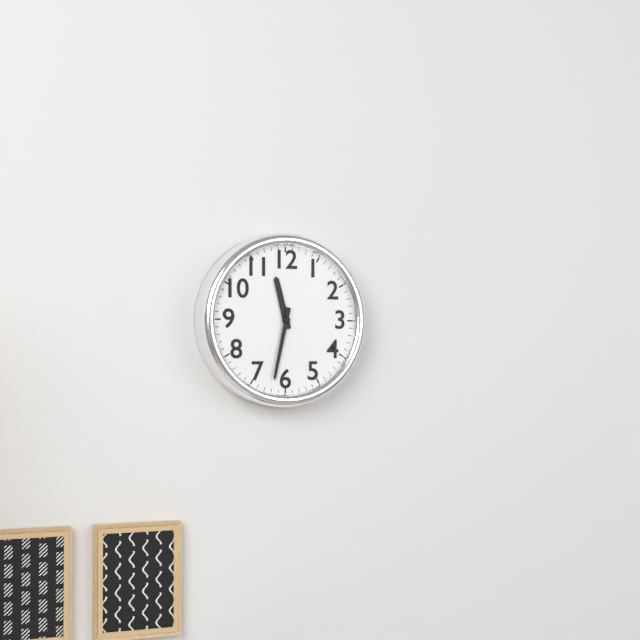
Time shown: **11:32**
